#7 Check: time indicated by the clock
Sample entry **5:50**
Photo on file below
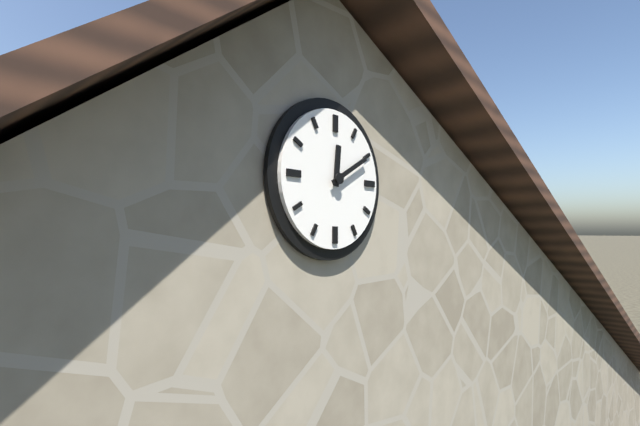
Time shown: **12:10**
